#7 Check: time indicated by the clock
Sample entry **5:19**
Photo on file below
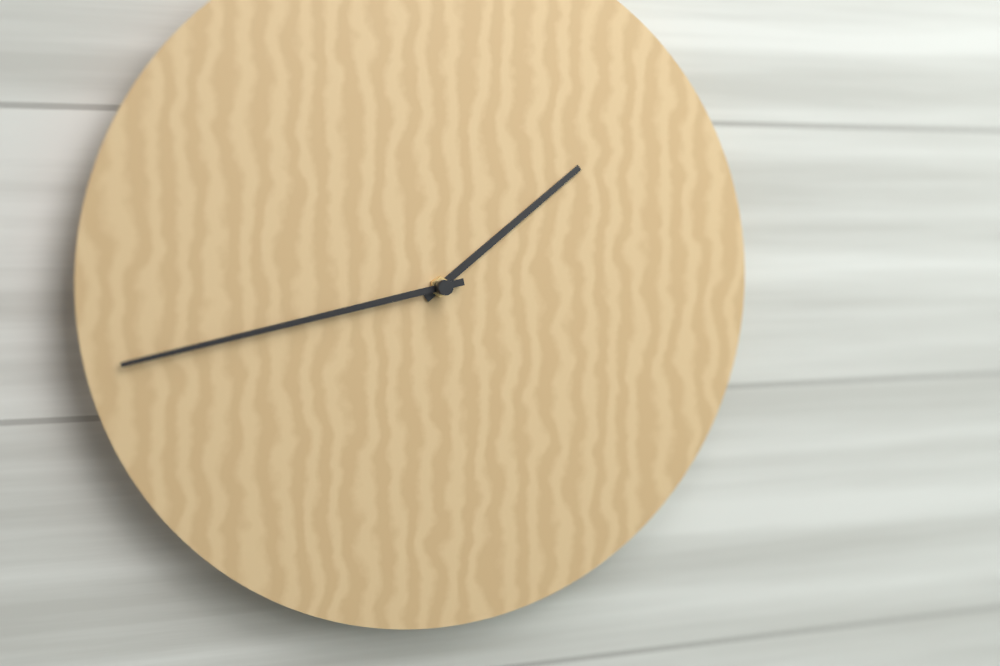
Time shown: **1:43**
